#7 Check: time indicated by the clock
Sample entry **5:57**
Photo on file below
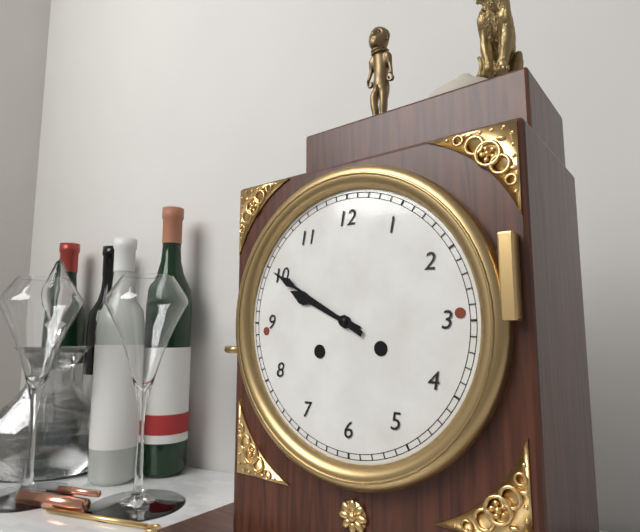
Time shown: **9:50**
